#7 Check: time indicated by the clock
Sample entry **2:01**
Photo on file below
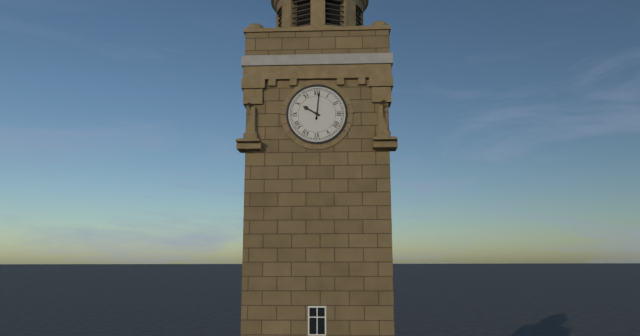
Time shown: **10:01**
